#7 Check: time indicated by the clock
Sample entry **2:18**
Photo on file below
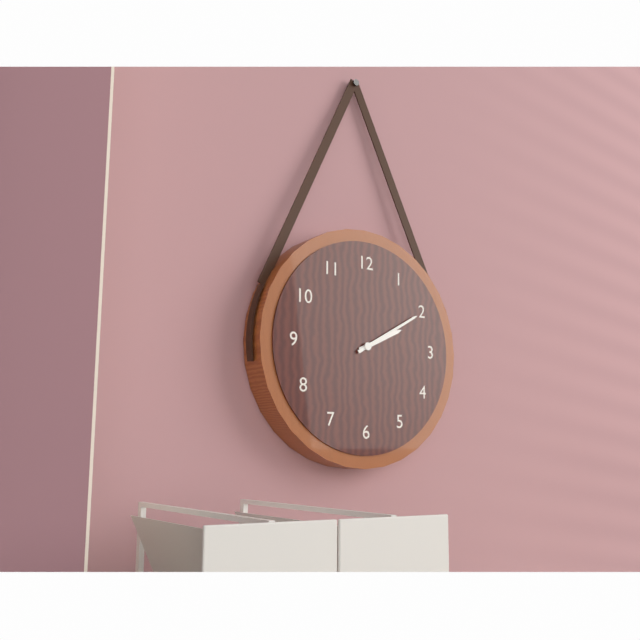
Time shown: **2:10**
